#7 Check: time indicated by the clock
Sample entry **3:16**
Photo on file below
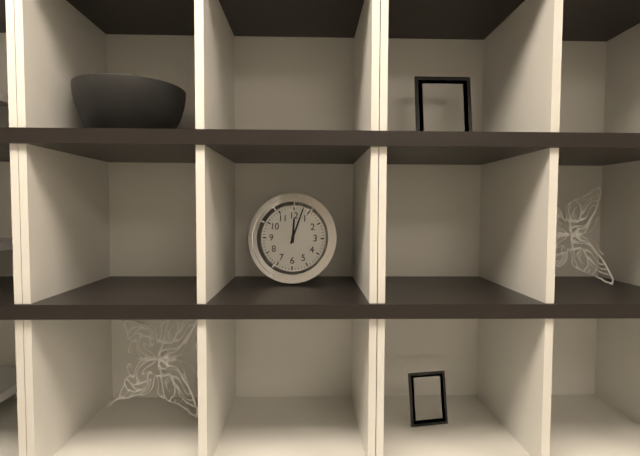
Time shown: **12:03**
